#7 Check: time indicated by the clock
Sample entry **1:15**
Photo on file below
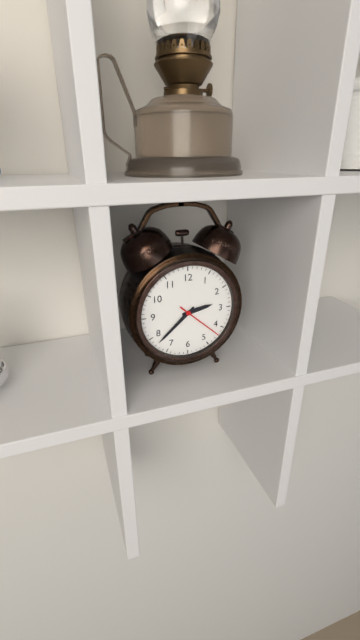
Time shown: **2:38**
